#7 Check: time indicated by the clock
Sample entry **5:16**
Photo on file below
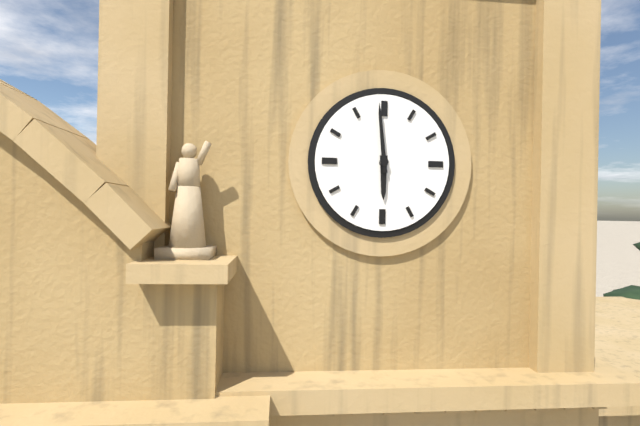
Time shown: **5:59**
